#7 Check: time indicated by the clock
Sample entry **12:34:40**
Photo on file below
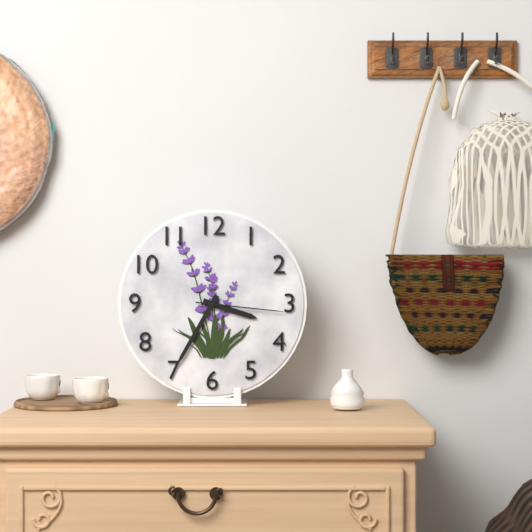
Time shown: **3:35:16**
